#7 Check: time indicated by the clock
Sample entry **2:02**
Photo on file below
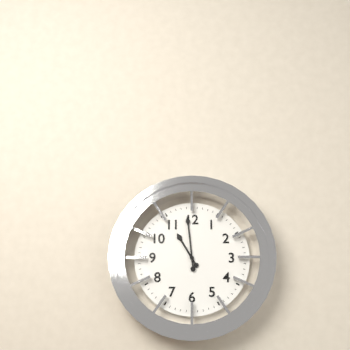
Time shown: **10:59**
